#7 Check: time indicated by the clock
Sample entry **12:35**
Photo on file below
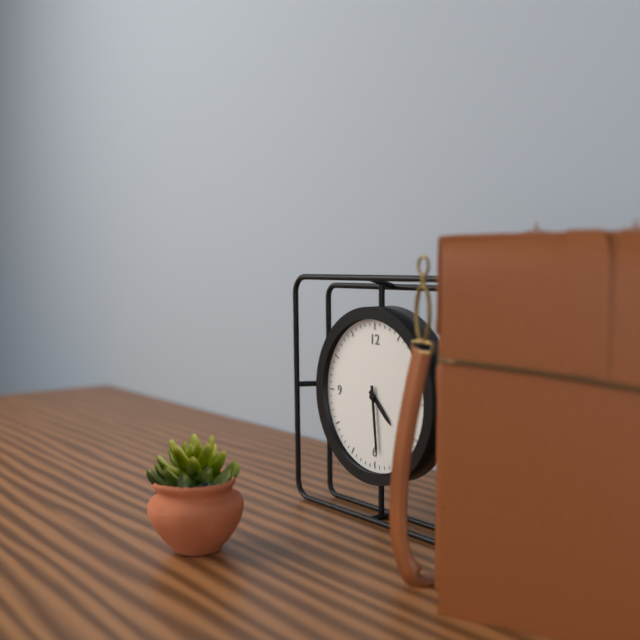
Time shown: **4:29**
